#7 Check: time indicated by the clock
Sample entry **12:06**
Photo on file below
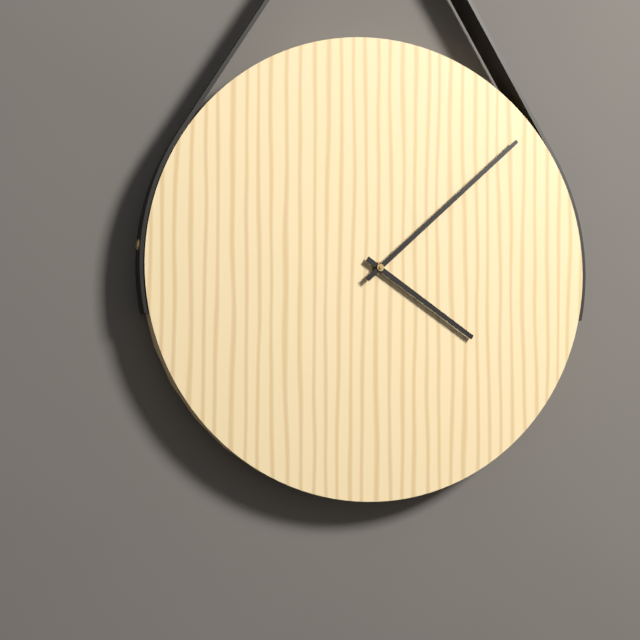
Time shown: **4:08**
